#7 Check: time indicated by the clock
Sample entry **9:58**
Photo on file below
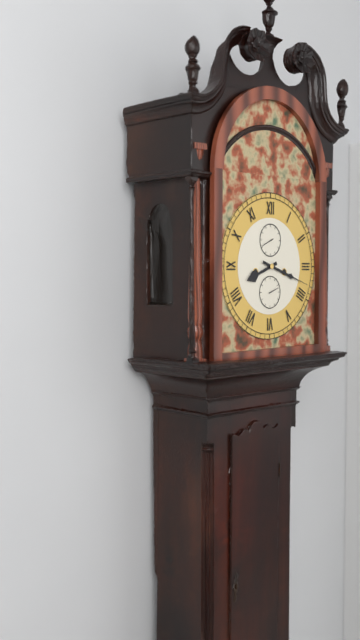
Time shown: **8:18**
